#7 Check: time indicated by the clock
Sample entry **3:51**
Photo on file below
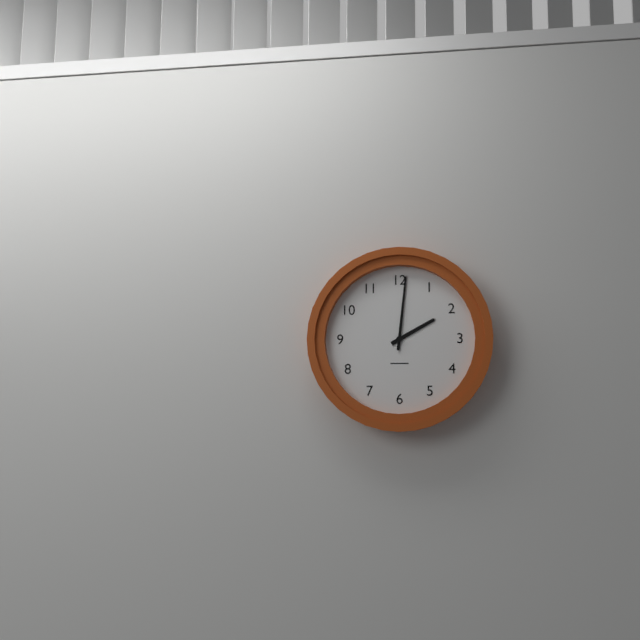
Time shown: **2:01**
